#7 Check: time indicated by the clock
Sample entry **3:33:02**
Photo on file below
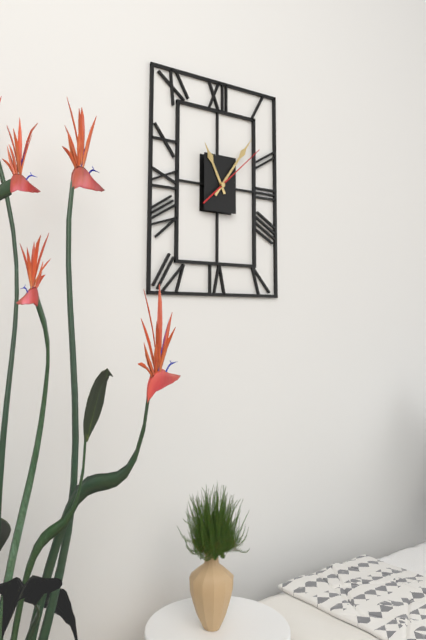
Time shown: **11:06:08**
